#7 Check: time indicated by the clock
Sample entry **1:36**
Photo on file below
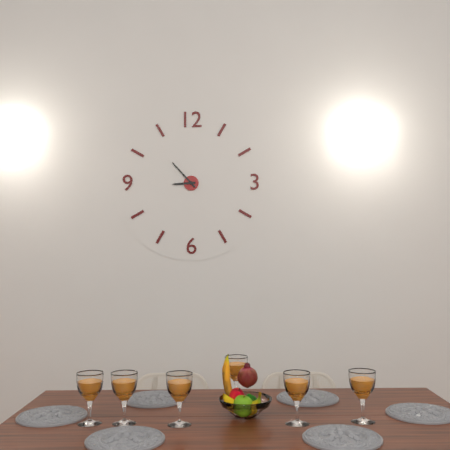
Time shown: **8:53**
